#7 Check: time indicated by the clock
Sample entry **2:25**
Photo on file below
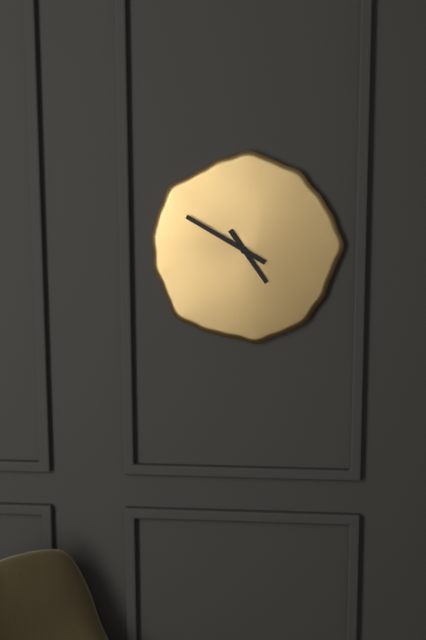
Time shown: **4:50**
